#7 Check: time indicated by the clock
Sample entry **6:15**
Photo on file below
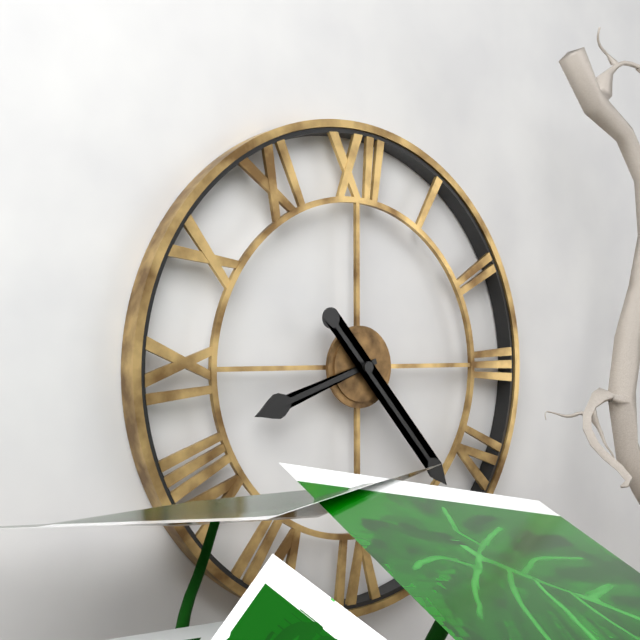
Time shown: **8:23**
